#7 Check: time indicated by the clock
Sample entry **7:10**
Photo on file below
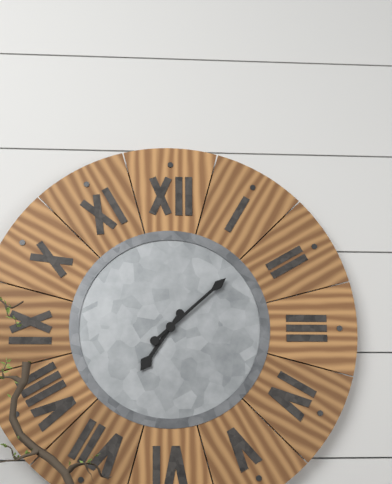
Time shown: **7:08**
